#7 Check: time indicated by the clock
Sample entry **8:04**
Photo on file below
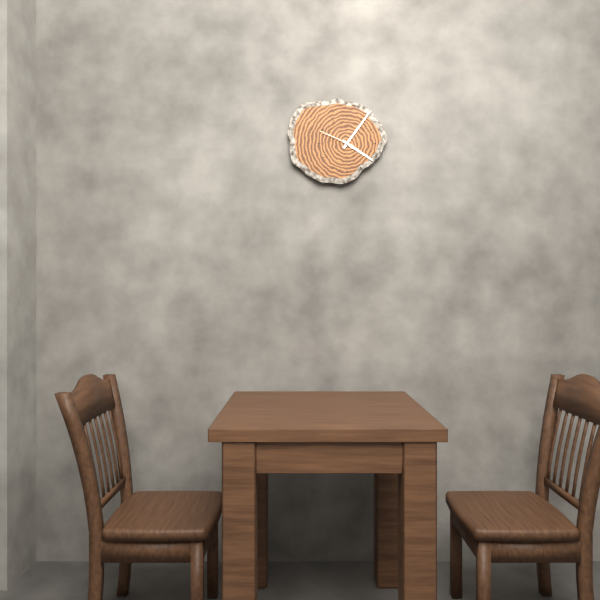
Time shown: **4:06**
